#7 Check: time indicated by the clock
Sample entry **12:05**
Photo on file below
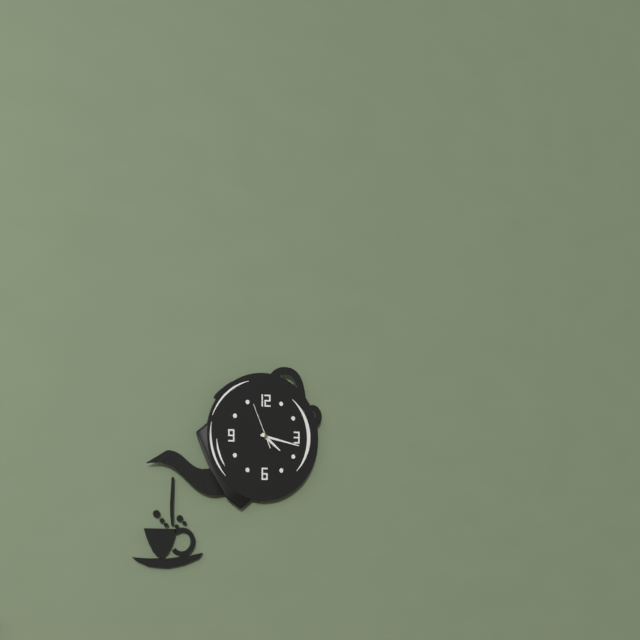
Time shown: **4:17**
